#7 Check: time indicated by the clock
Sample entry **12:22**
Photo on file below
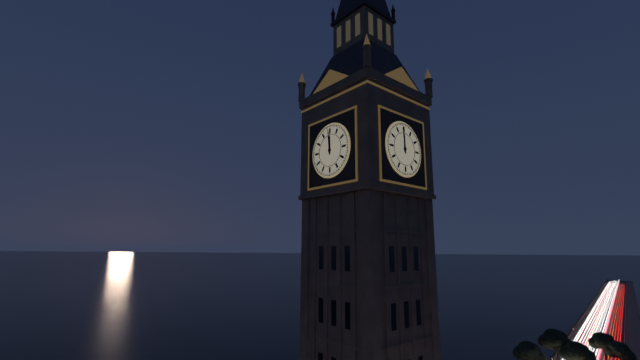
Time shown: **11:59**
